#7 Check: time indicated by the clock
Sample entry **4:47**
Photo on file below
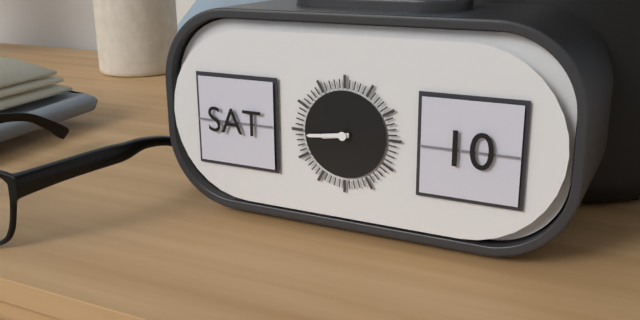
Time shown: **8:44**
